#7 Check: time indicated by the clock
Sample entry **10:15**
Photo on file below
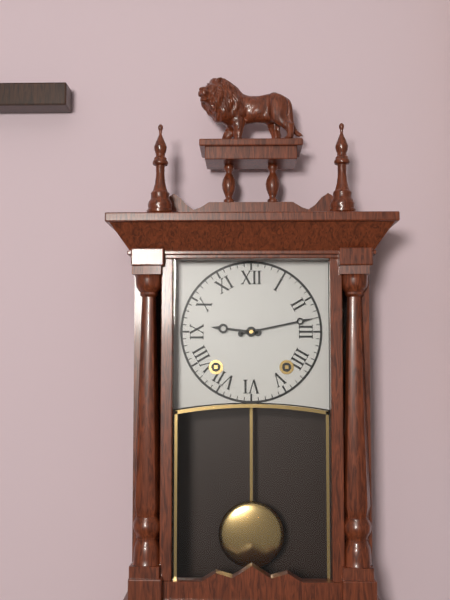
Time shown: **9:13**
